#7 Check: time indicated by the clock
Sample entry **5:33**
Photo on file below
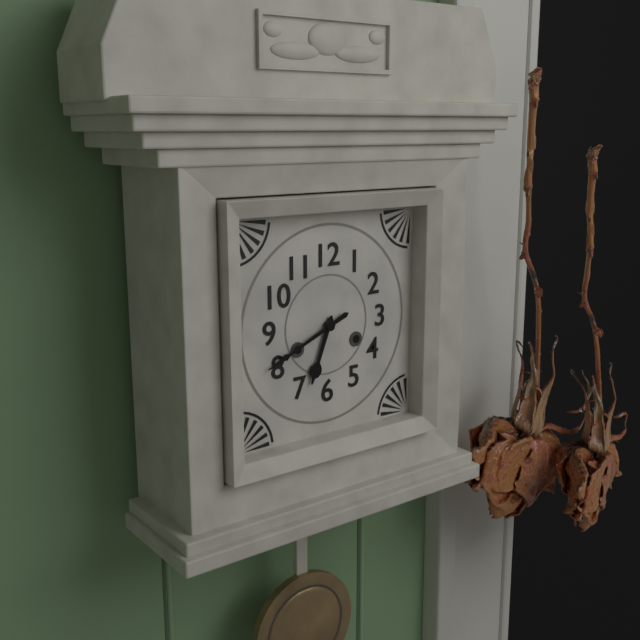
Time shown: **6:41**
